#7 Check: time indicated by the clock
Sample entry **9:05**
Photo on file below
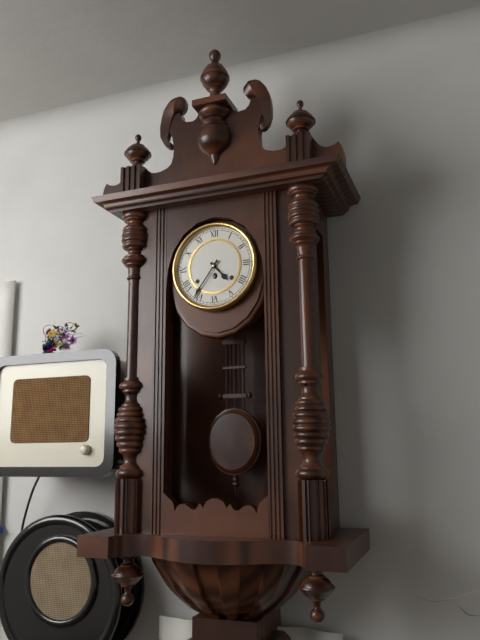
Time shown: **4:36**
